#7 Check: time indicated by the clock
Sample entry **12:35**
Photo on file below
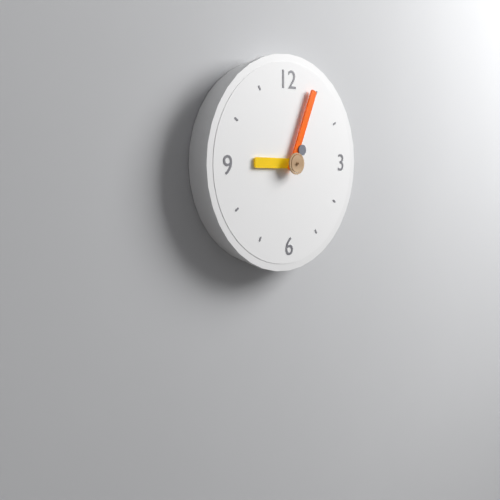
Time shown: **9:04**
